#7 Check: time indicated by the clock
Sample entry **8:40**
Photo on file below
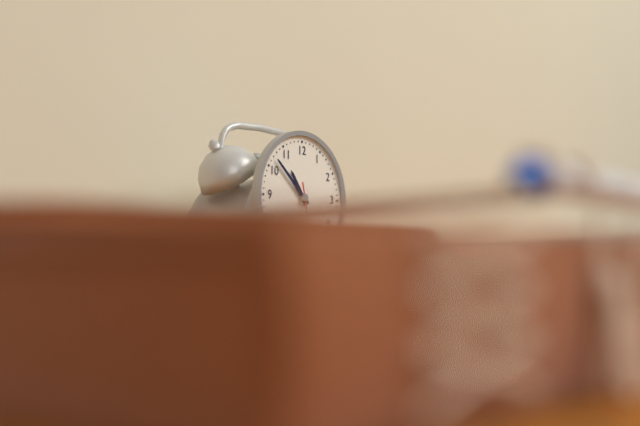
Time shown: **10:52**
